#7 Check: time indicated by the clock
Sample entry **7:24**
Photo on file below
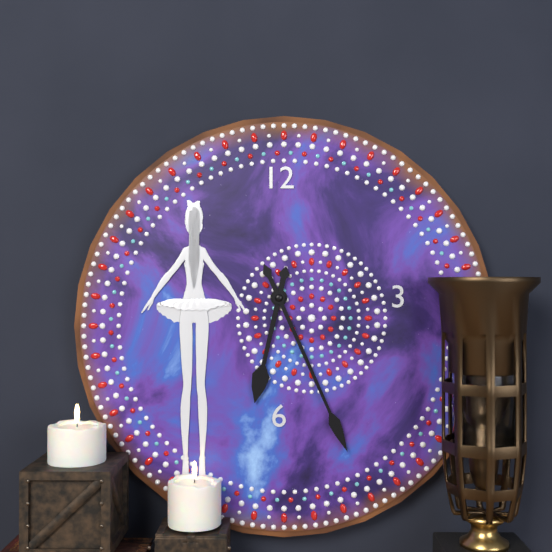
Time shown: **6:26**
